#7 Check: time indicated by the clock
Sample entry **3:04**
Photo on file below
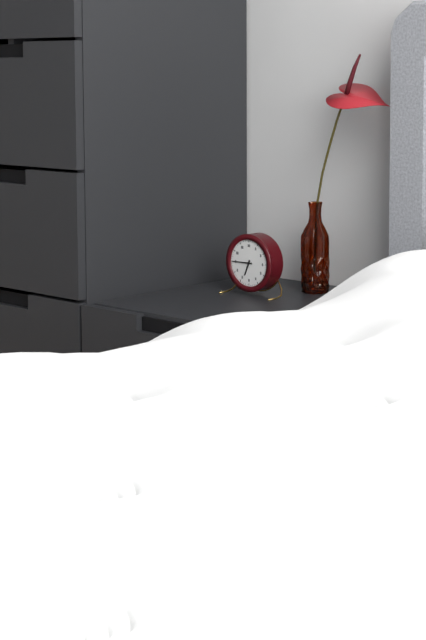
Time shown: **6:45**
